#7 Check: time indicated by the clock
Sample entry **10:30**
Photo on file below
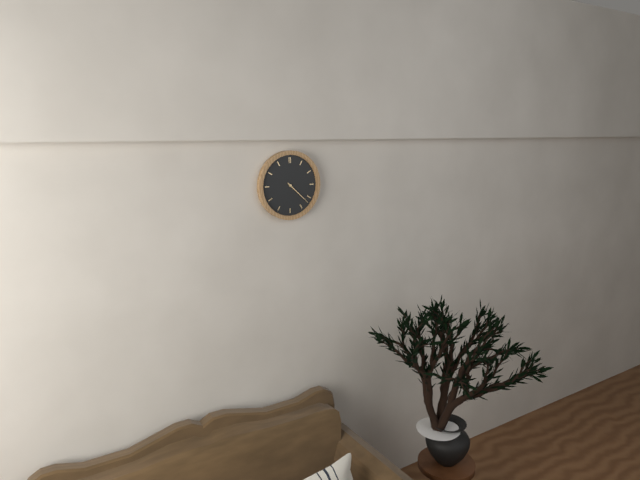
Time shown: **4:22**
